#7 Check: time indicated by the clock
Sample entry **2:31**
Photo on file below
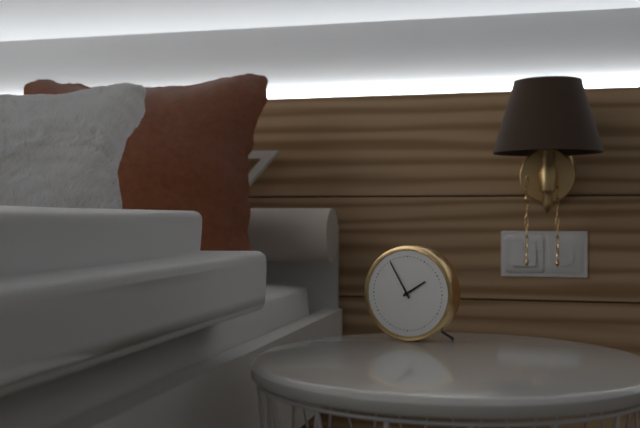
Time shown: **1:55**
